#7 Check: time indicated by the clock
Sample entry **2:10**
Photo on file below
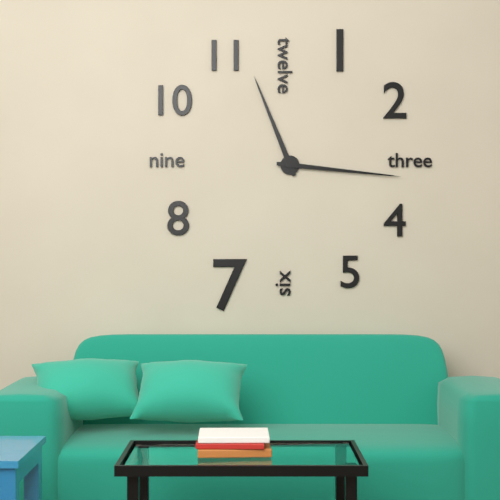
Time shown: **11:16**
